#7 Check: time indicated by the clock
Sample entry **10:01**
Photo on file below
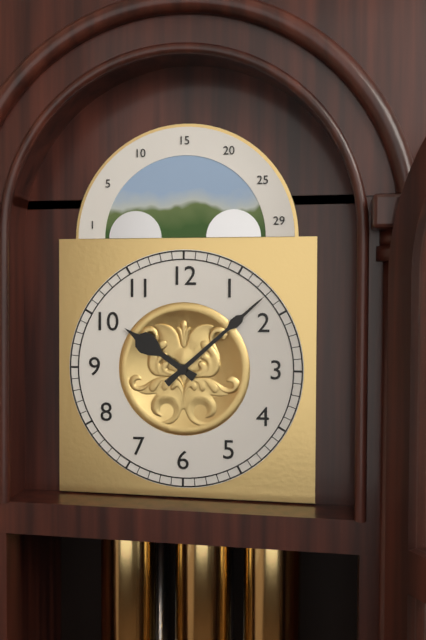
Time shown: **10:08**
